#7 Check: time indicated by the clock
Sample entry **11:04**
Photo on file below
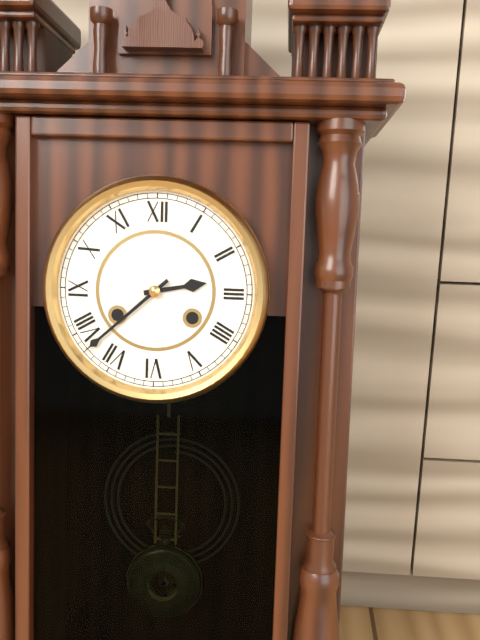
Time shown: **2:38**
